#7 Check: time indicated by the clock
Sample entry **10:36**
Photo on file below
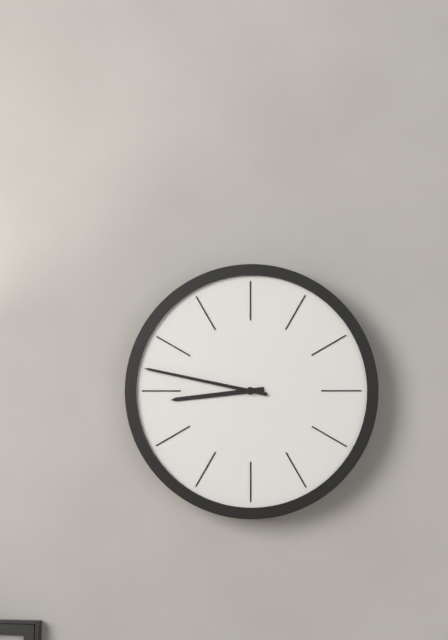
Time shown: **8:47**
